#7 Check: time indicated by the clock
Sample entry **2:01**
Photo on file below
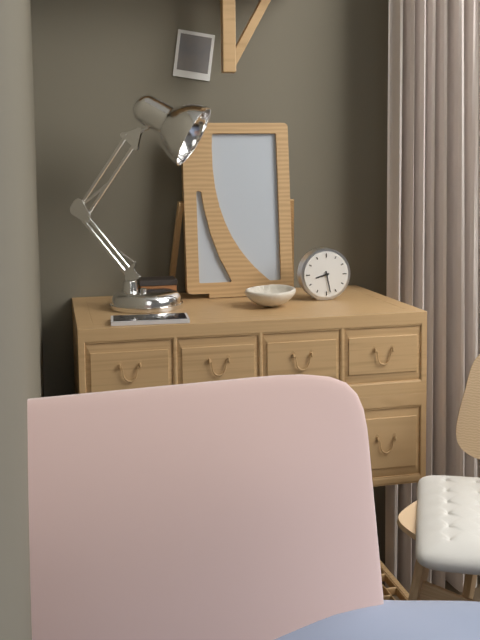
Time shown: **8:28**
